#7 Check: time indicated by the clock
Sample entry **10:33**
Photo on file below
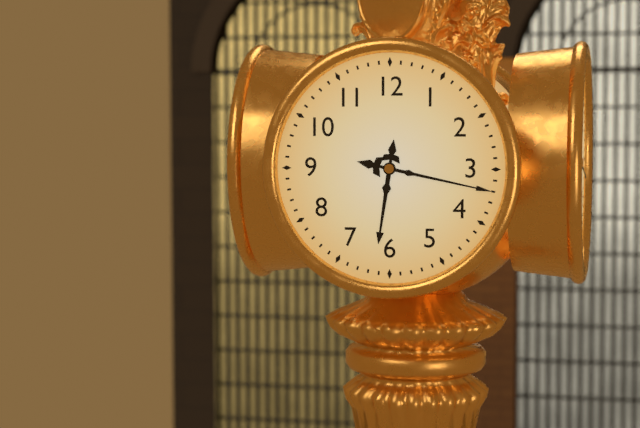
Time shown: **6:17**
